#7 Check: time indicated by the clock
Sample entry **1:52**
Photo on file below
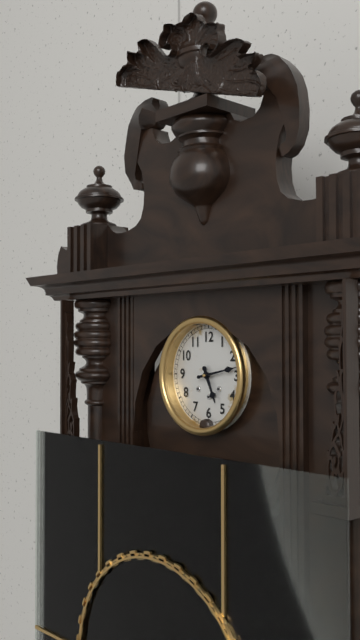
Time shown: **5:13**
